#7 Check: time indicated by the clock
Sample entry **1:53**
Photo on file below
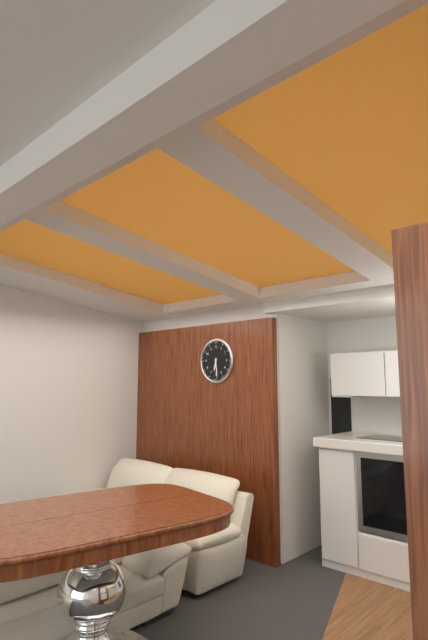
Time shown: **6:29**
